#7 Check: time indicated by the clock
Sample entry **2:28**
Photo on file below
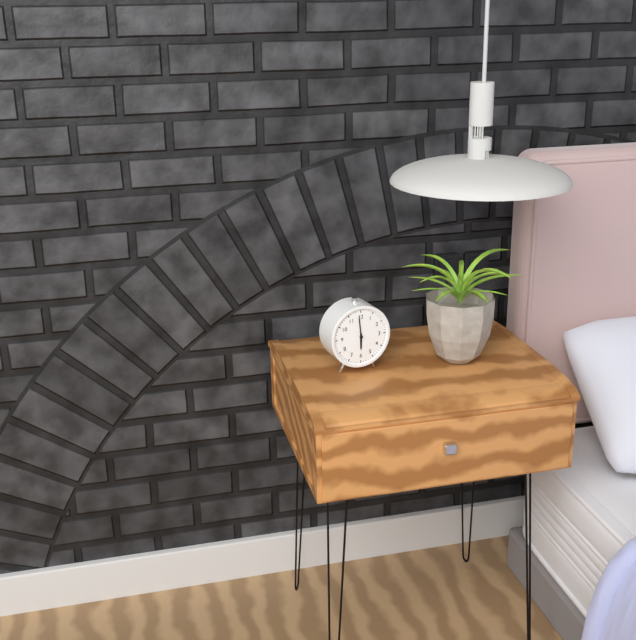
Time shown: **5:59**
